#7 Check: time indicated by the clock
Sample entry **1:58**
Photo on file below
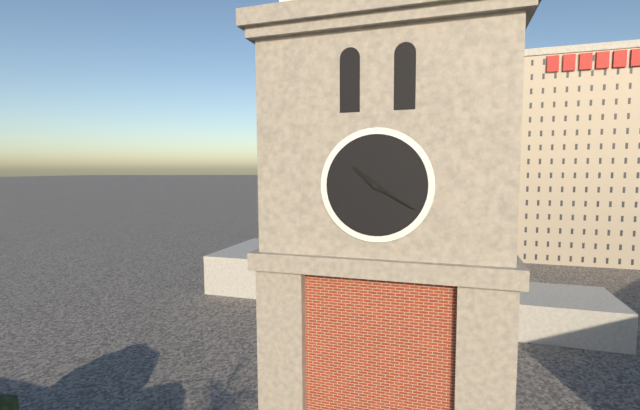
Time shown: **10:20**
